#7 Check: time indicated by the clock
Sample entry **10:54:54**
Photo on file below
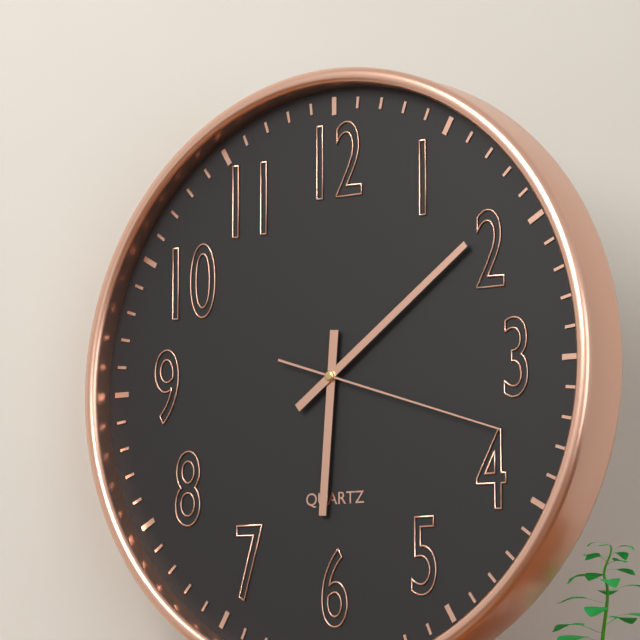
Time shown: **6:09:18**
